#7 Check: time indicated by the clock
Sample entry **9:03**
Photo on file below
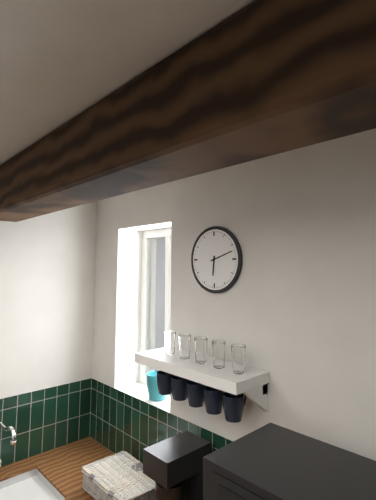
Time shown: **6:12**
